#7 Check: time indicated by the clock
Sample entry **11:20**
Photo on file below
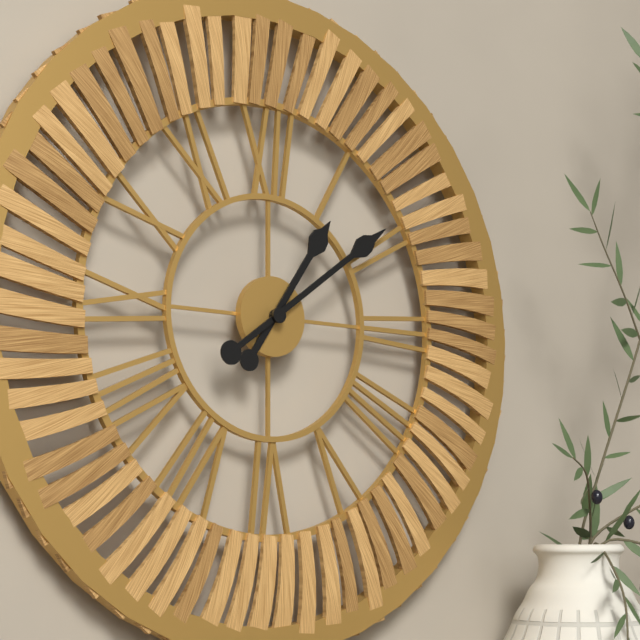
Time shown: **1:09**
